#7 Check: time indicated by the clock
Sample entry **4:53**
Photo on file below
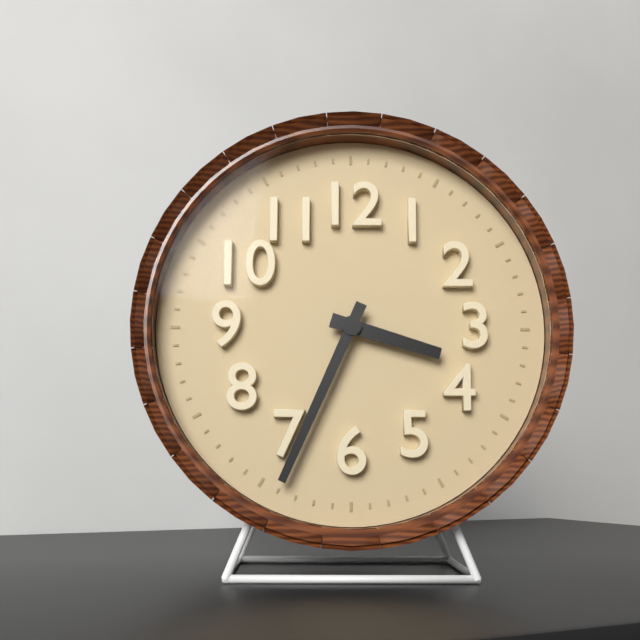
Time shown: **3:34**
